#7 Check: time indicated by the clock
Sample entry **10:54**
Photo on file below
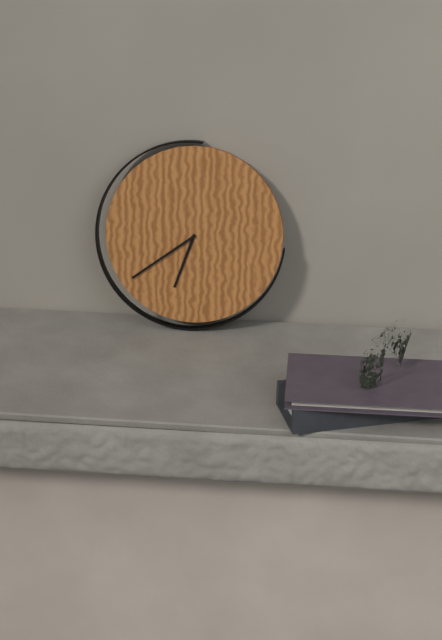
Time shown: **6:39**
